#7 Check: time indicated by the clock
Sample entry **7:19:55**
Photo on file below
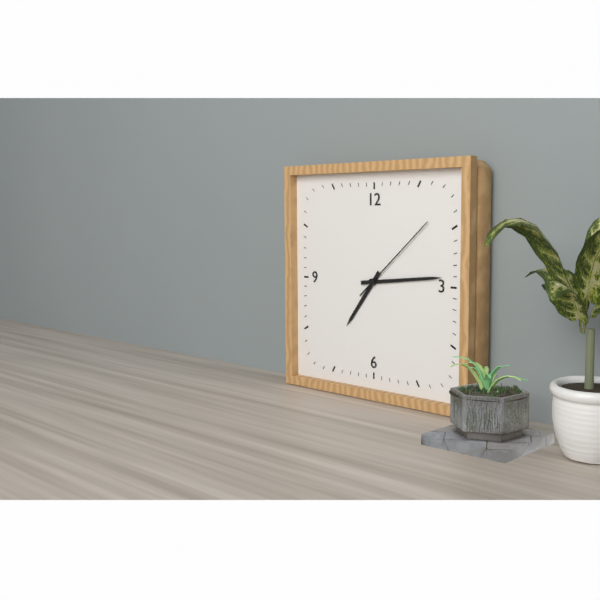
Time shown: **7:14:08**
